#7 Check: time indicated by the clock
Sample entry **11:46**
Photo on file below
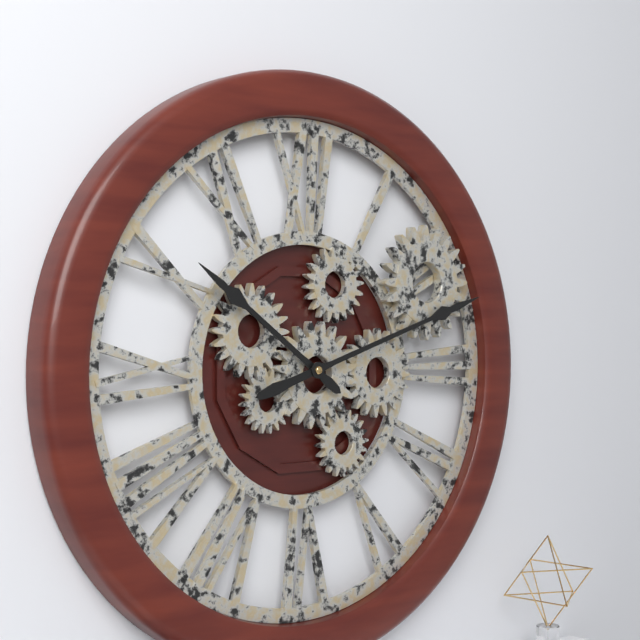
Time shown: **10:12**
